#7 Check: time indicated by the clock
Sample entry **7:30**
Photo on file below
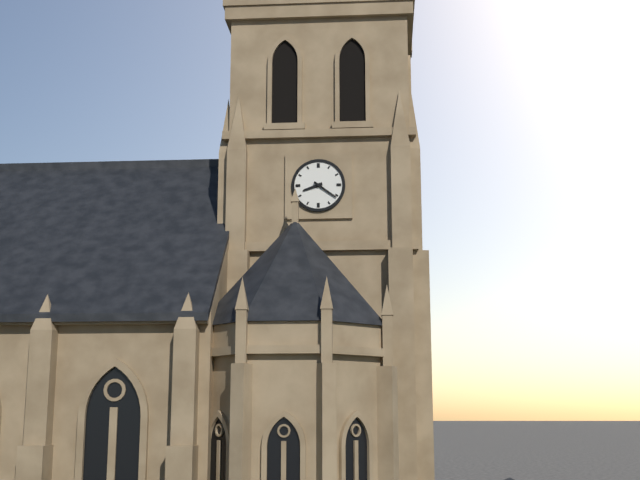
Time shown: **8:21**
